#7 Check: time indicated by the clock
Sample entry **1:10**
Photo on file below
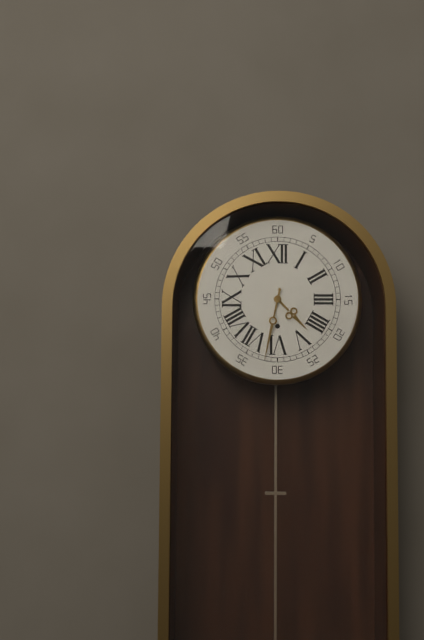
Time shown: **4:32**
